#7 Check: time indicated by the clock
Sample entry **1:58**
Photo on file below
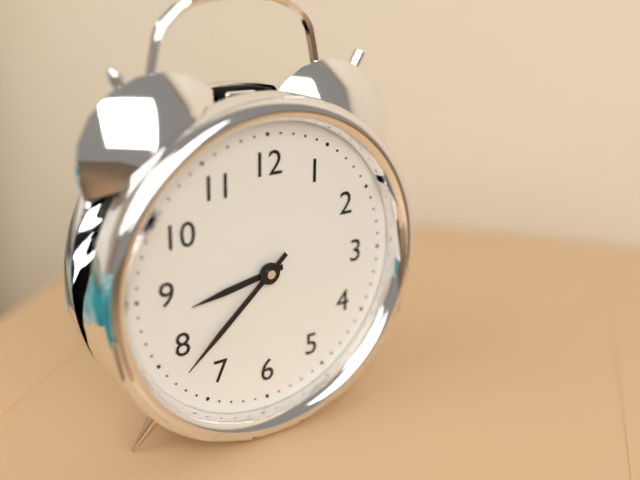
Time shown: **8:38**
